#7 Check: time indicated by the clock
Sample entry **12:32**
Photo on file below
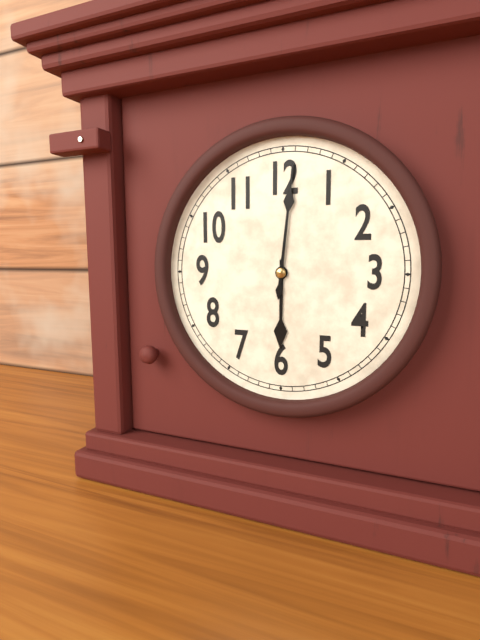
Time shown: **6:01**
